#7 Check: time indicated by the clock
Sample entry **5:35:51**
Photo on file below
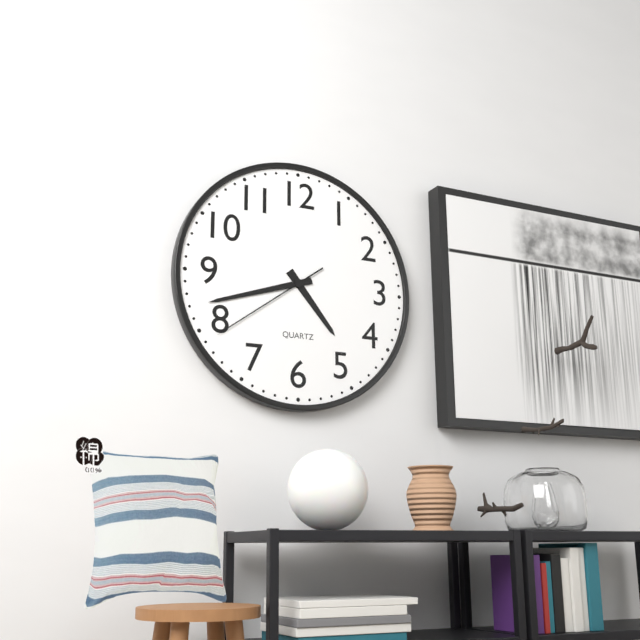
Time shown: **4:42:39**
